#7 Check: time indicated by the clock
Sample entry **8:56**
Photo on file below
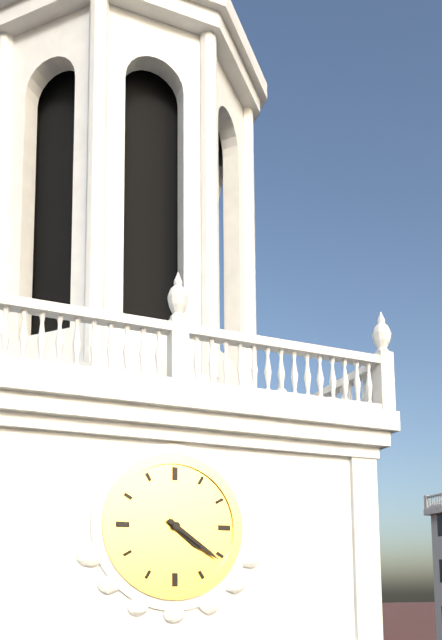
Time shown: **4:21**
